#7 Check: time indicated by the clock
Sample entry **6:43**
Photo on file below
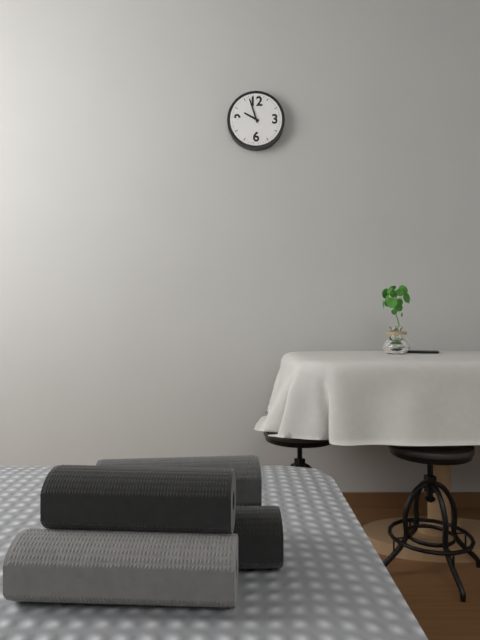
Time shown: **9:57**
